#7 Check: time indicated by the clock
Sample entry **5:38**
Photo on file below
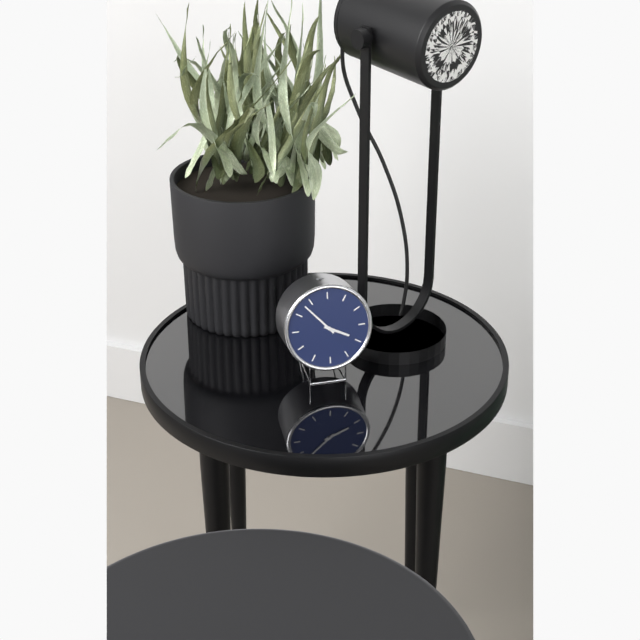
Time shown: **3:53**
